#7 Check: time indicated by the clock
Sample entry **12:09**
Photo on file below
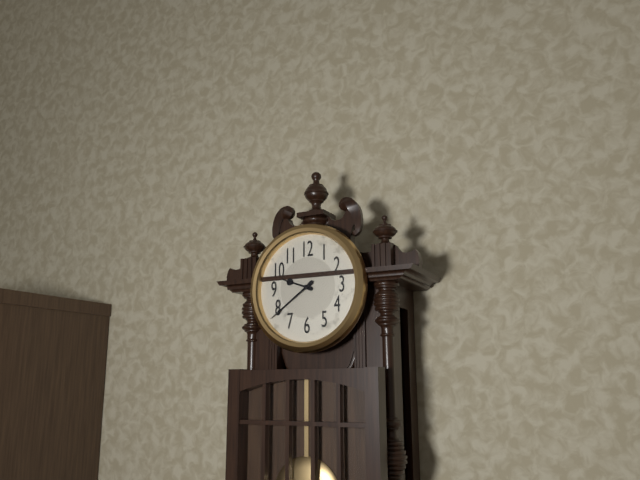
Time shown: **9:39**
